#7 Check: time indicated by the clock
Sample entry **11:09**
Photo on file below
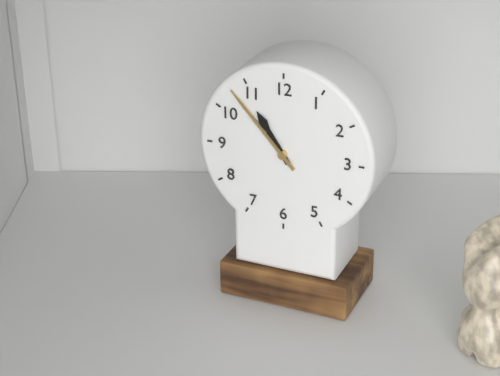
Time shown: **10:53**
